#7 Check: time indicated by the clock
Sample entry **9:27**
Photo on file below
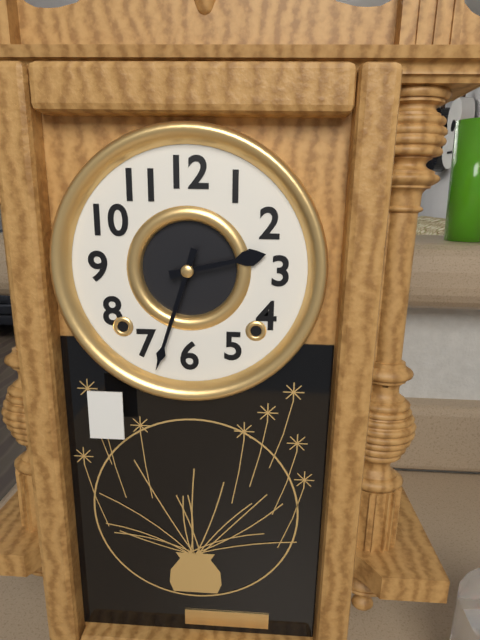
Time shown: **2:33**
